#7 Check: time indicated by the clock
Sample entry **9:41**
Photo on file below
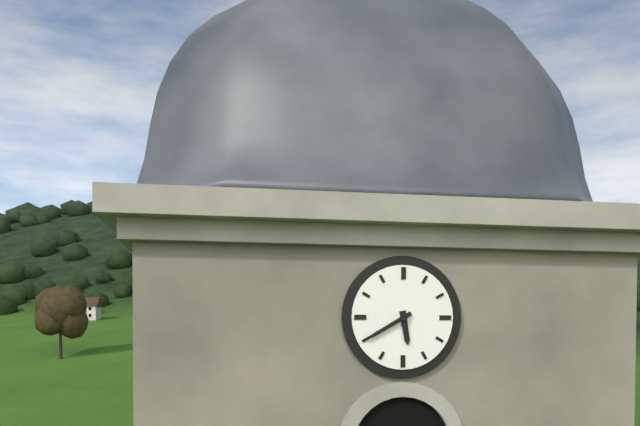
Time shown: **5:40**
